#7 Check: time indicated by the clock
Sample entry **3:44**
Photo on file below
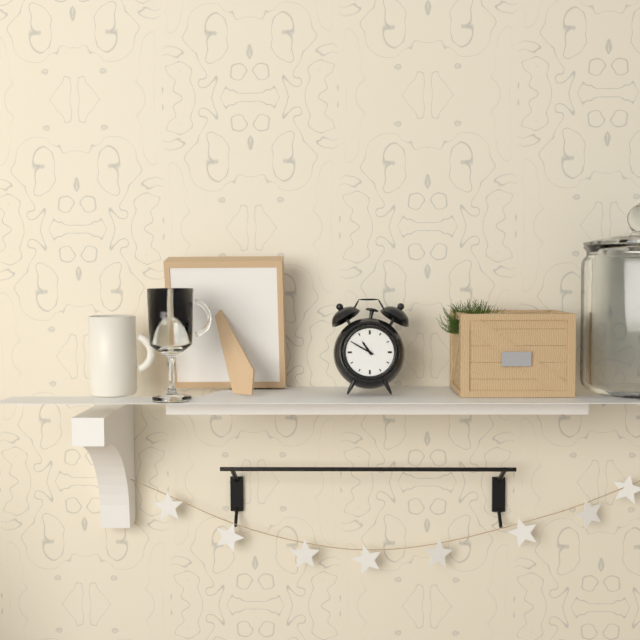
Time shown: **10:50**
